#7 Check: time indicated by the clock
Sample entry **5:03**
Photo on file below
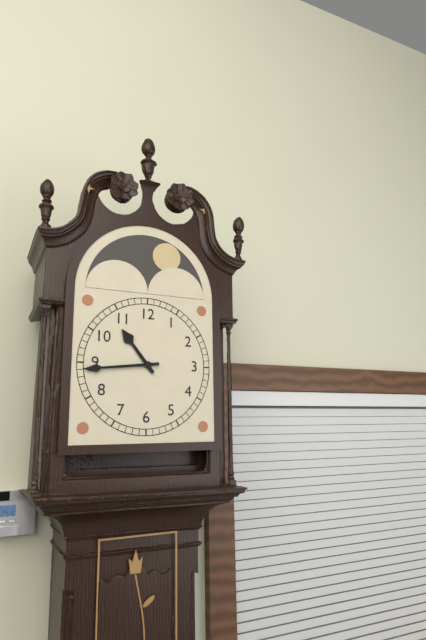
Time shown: **10:44**
